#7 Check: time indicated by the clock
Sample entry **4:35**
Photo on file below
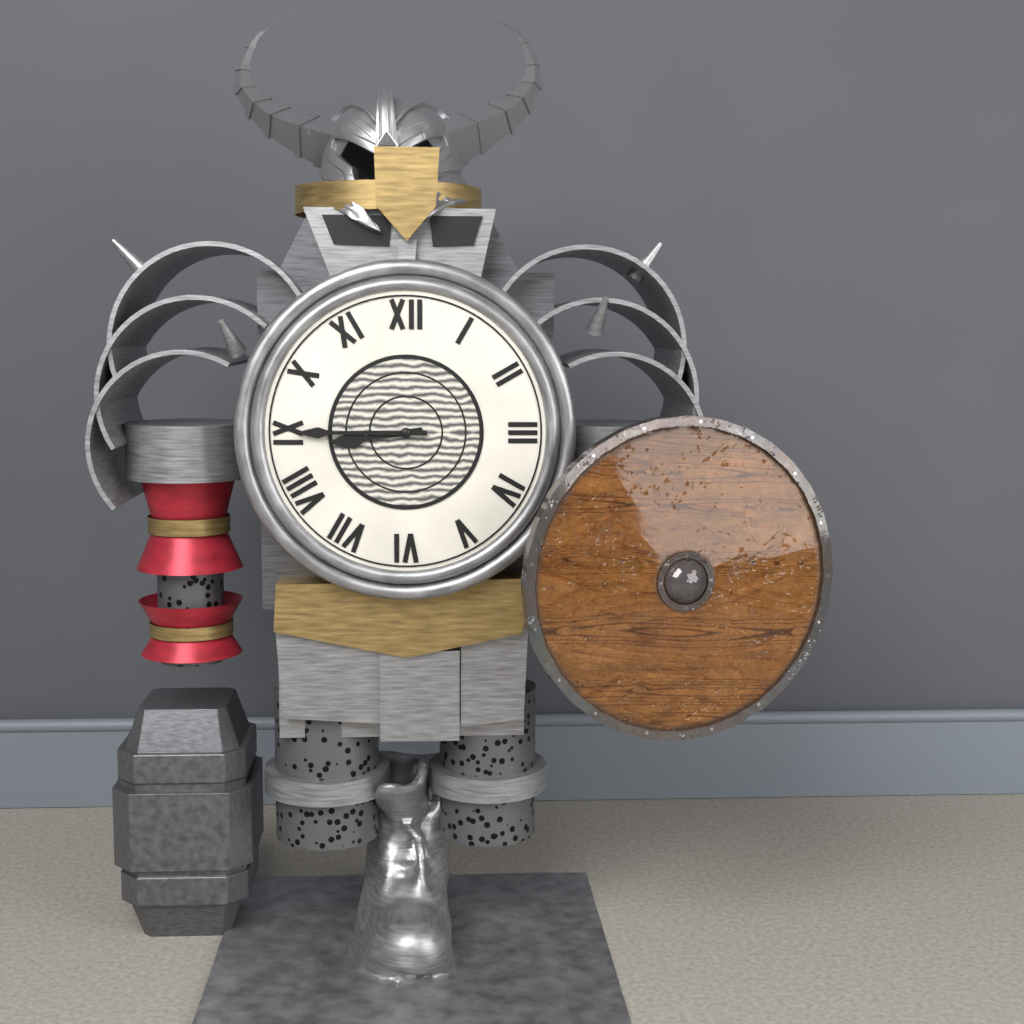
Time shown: **8:45**
